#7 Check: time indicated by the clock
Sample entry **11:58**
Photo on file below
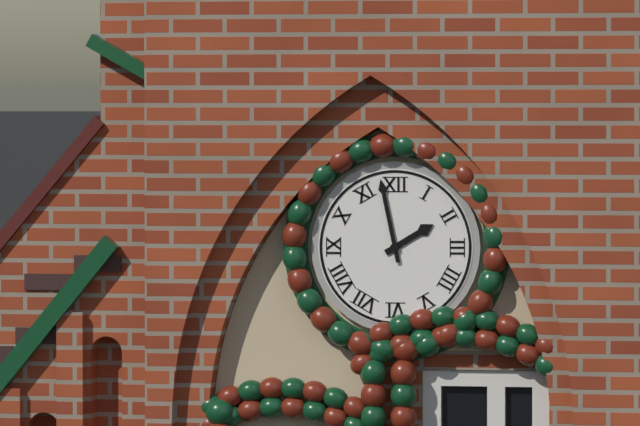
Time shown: **1:58**
